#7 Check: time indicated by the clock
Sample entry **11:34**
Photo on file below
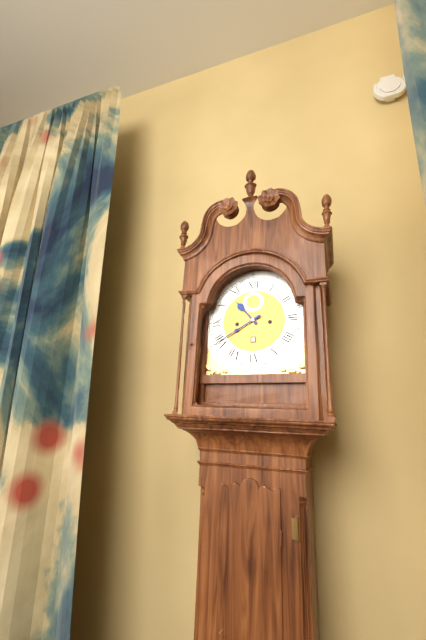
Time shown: **10:40**
